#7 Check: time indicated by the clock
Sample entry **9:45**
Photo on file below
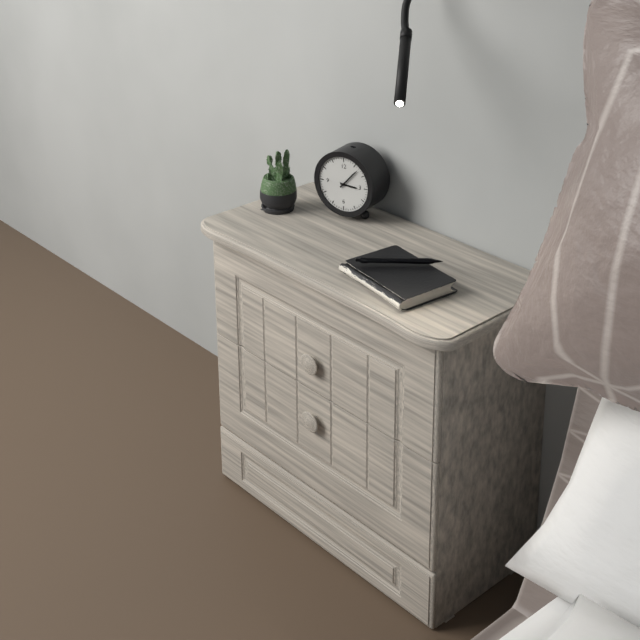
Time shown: **3:07**
